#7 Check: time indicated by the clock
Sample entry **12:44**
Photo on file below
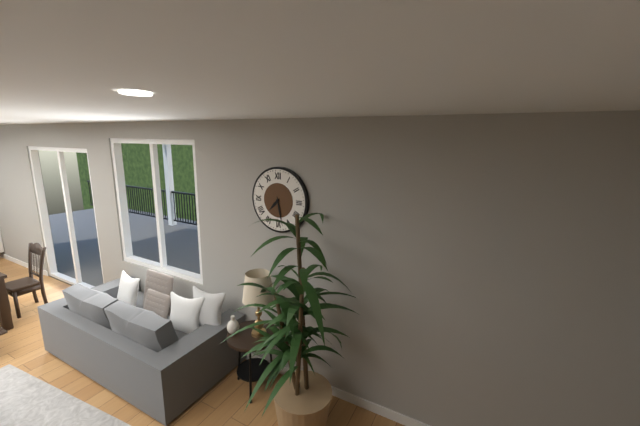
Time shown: **7:28**
